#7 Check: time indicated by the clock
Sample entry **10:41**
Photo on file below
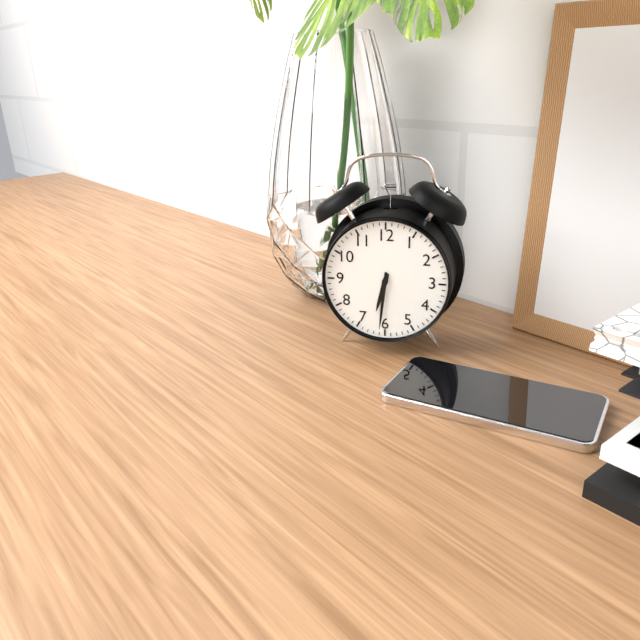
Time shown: **6:31**
